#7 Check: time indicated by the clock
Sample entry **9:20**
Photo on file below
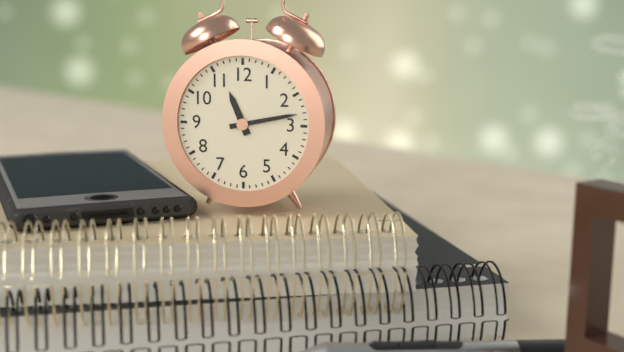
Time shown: **11:13**
